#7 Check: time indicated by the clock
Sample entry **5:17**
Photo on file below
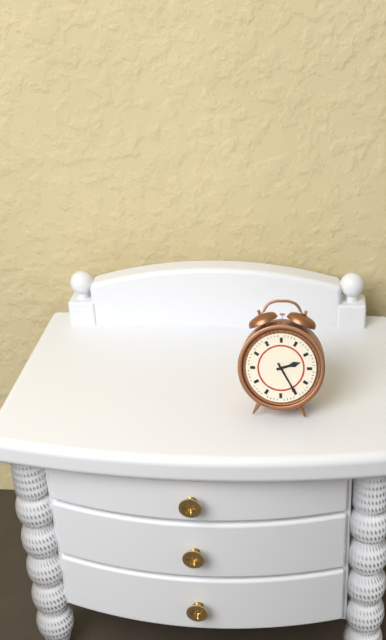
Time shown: **2:25**
